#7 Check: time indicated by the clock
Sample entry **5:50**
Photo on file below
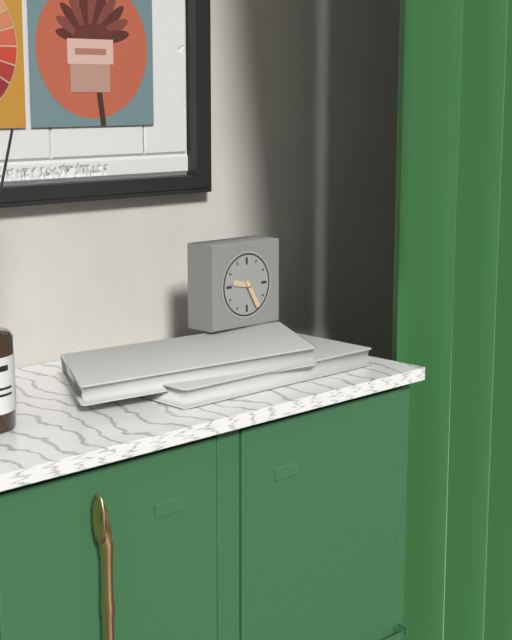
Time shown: **9:25**
